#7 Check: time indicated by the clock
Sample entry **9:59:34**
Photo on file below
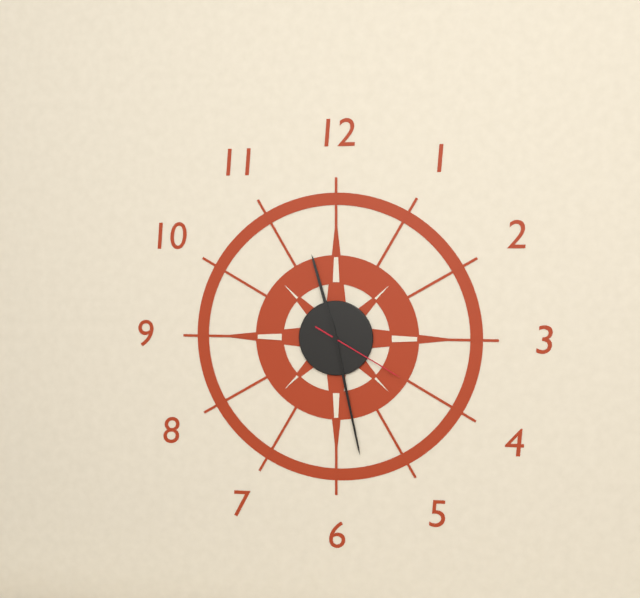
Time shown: **11:28:20**
